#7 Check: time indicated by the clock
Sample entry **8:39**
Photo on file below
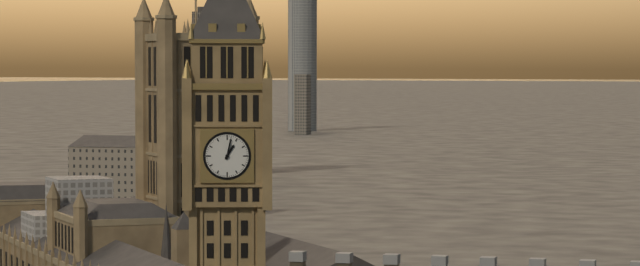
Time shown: **1:02**
